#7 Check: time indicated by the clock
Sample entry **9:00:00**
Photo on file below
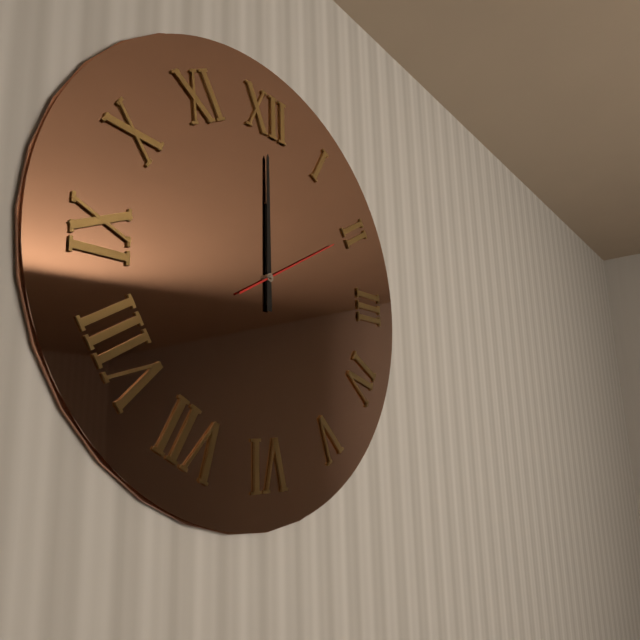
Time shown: **12:00:10**
